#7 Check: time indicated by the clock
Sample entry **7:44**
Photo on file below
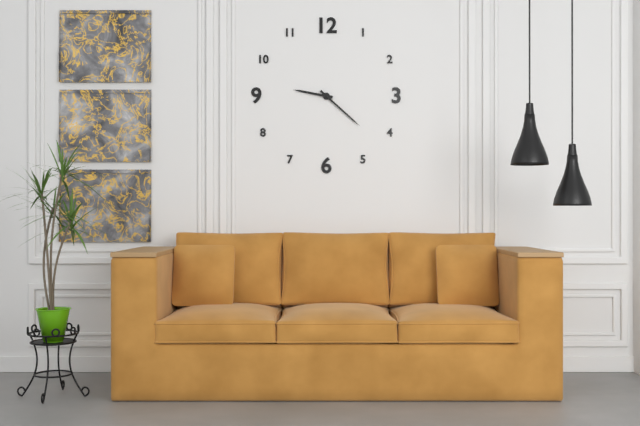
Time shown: **9:22**
